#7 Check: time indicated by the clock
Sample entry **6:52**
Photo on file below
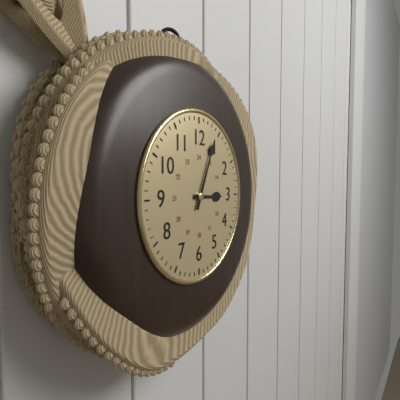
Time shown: **3:04**
